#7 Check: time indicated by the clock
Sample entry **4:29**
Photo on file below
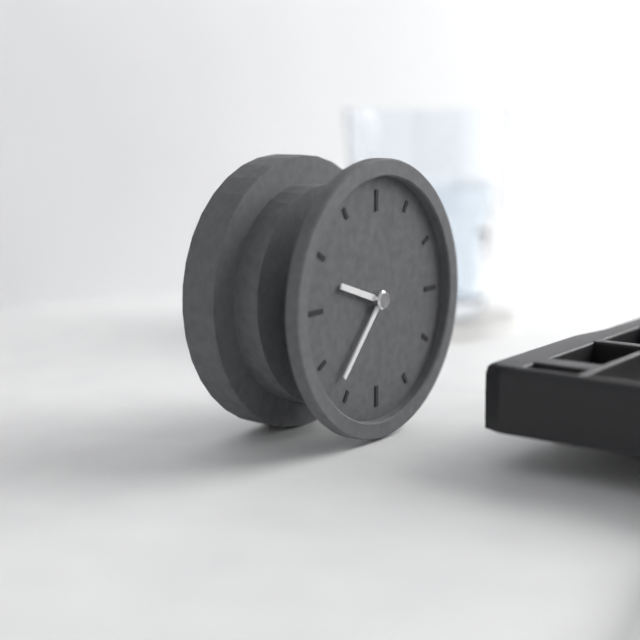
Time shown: **9:37**
